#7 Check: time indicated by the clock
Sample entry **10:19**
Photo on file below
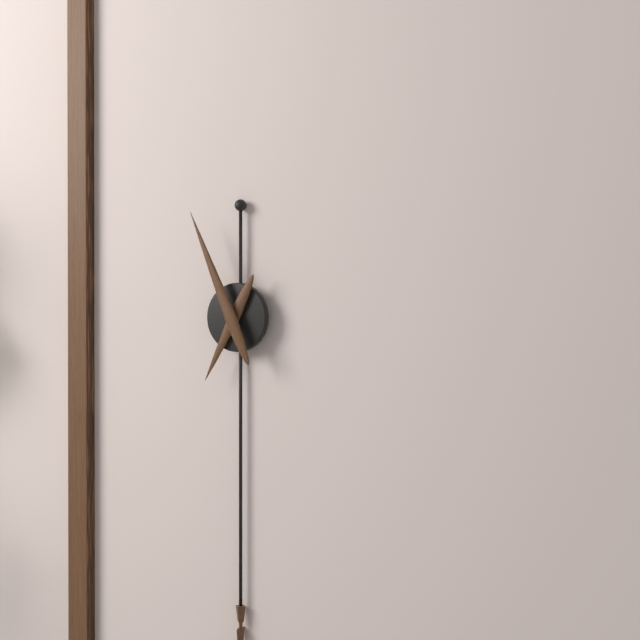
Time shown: **6:56**
